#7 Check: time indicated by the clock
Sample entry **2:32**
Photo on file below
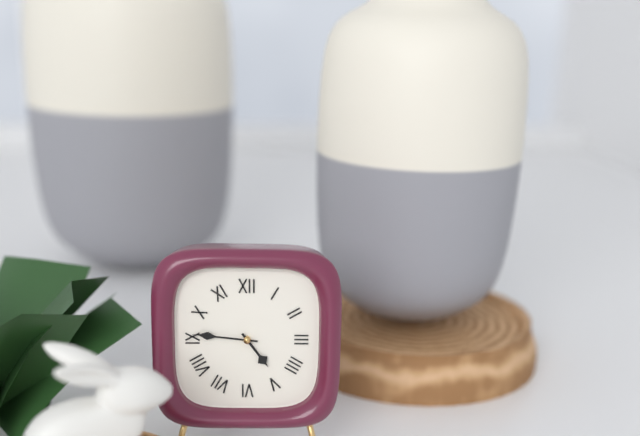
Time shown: **4:46**
